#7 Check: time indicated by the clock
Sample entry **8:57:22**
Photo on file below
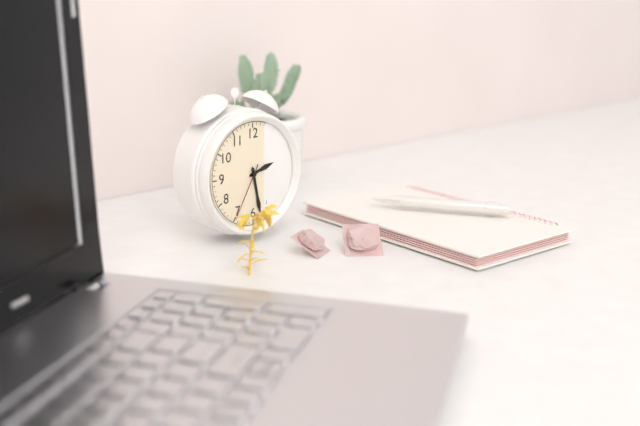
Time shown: **2:28:35**
